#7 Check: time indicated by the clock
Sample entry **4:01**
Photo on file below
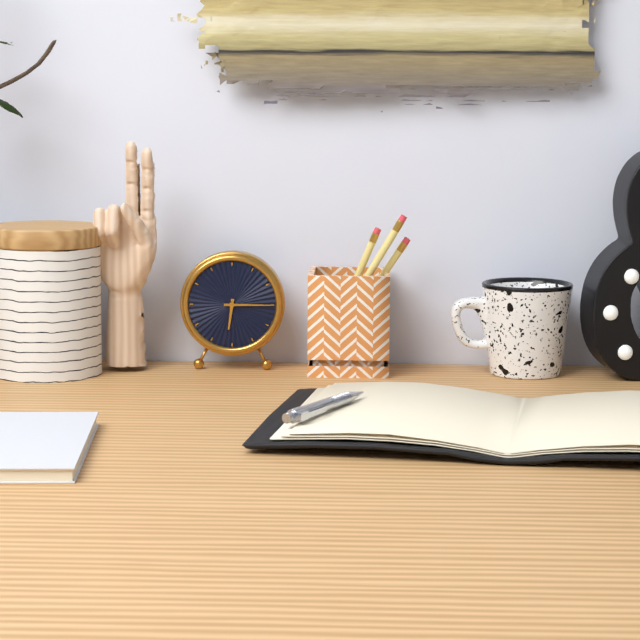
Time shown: **6:15**
